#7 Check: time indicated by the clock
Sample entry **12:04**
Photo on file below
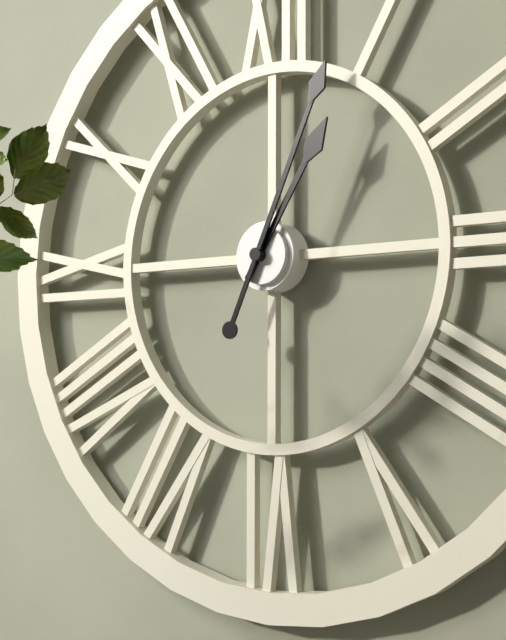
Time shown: **1:04**
